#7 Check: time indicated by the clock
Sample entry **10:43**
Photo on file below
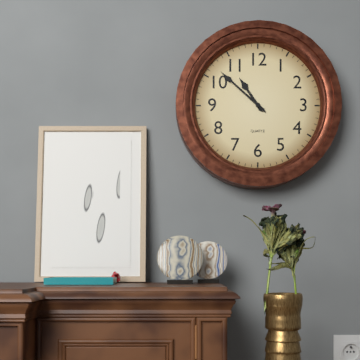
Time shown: **10:52**
